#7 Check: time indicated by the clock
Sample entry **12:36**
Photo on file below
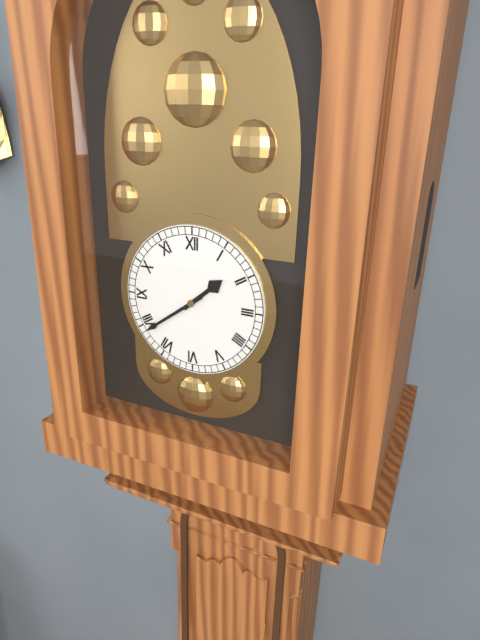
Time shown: **1:39**
